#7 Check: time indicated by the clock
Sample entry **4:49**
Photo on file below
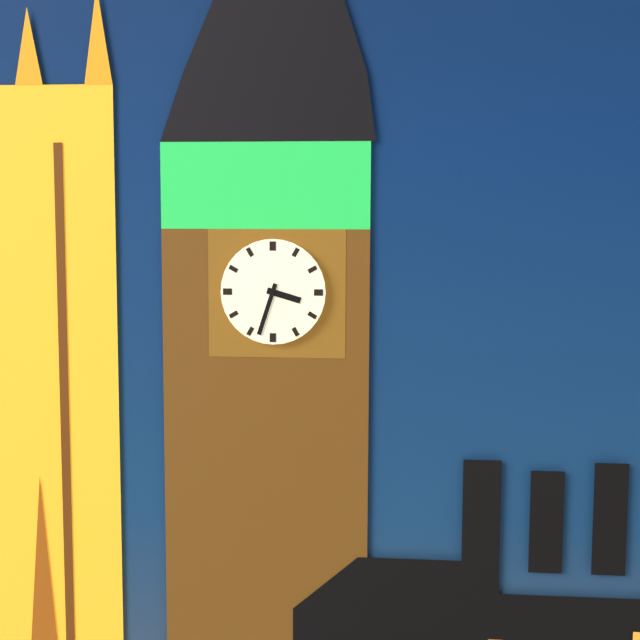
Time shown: **3:33**
